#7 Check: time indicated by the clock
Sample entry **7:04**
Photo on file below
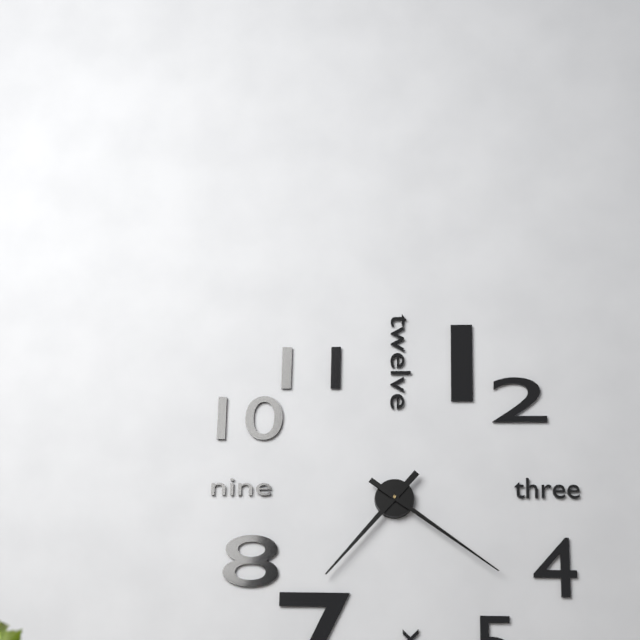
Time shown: **7:21**
